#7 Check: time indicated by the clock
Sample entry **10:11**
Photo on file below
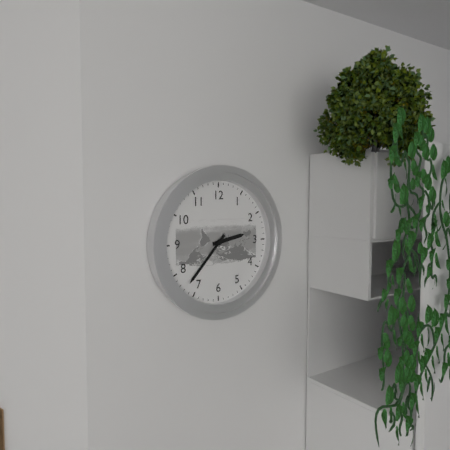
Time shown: **2:37**
